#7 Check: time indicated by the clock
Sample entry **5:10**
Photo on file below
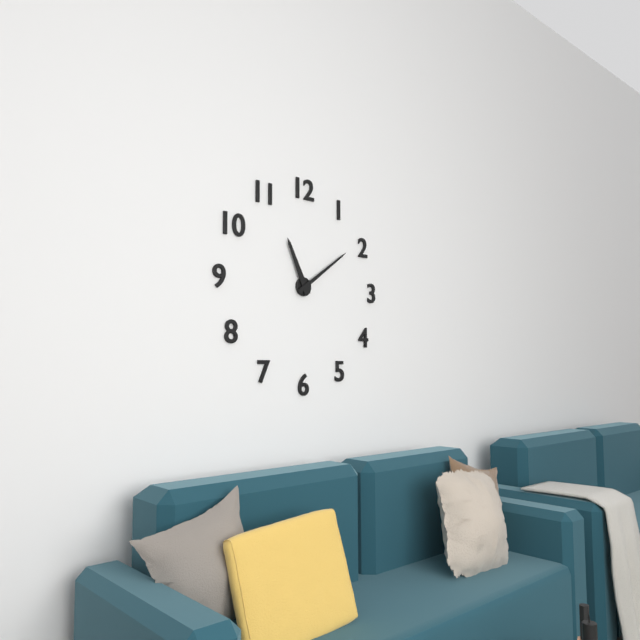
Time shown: **11:09**
